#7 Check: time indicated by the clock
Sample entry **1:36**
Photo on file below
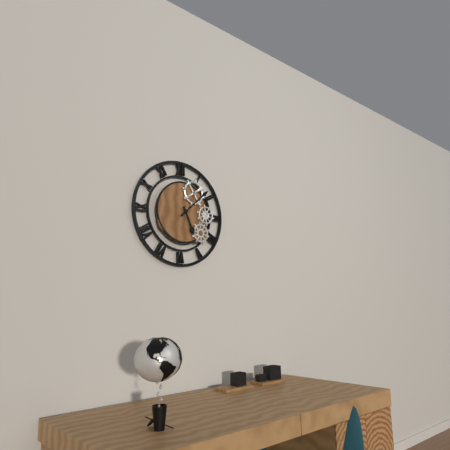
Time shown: **5:08**
